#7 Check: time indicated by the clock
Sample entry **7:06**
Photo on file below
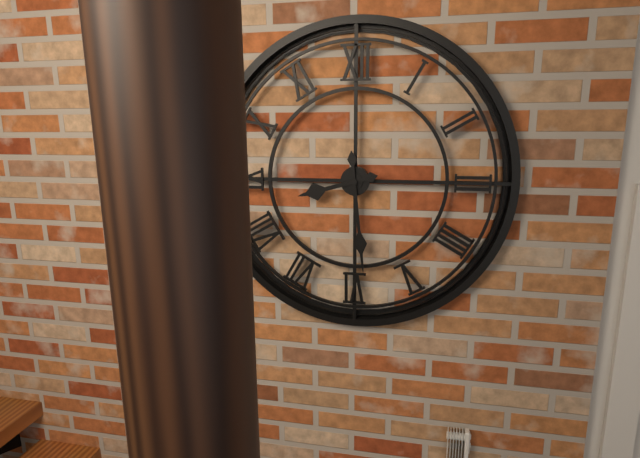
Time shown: **8:29**
